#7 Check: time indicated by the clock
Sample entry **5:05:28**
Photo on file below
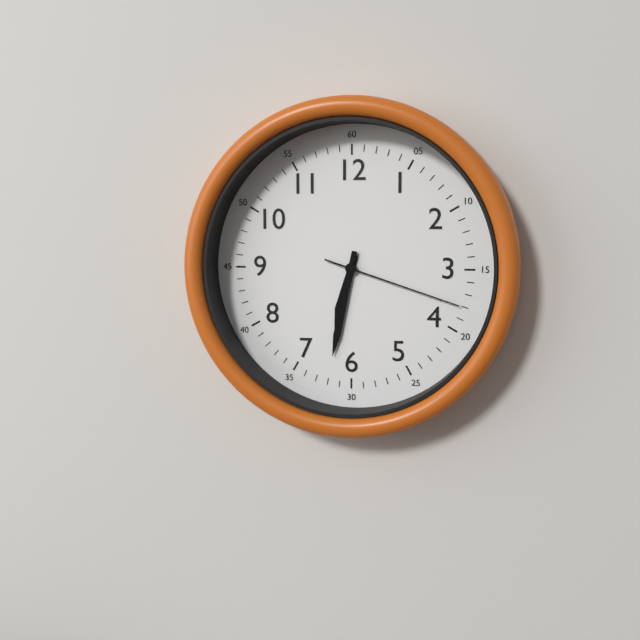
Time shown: **6:32:18**
